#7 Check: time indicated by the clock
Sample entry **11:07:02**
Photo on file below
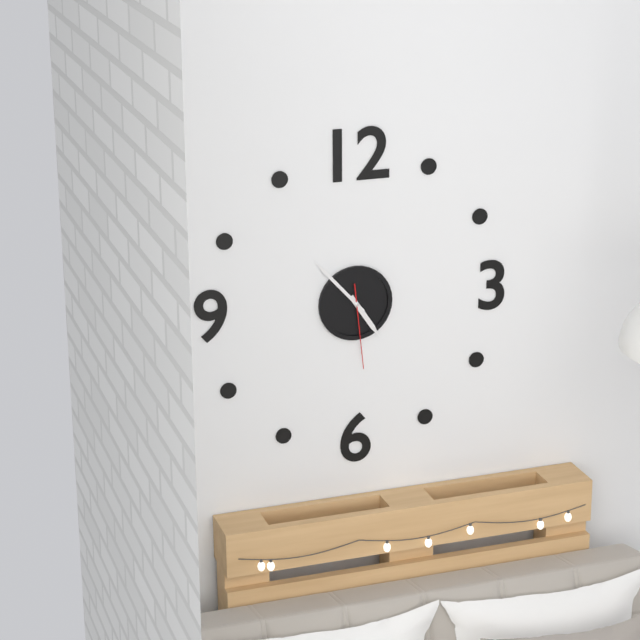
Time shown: **4:53:29**
